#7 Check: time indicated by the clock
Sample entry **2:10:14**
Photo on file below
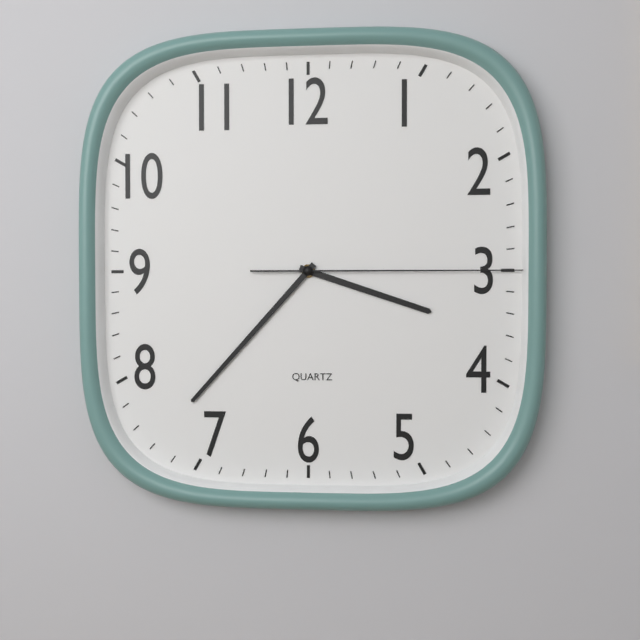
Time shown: **3:37:15**
